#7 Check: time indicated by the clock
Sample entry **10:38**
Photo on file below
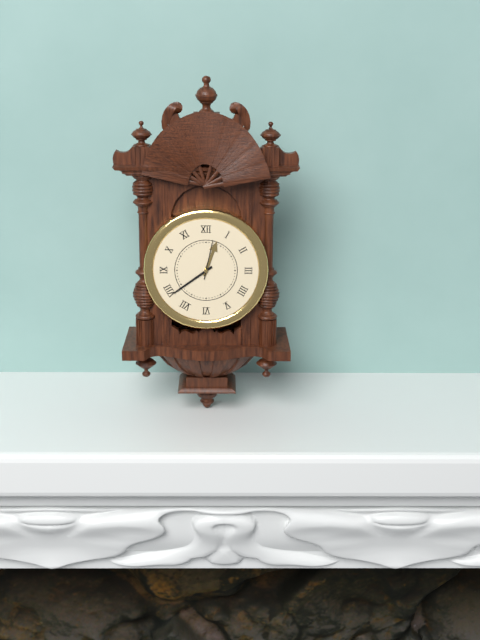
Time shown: **12:39**
